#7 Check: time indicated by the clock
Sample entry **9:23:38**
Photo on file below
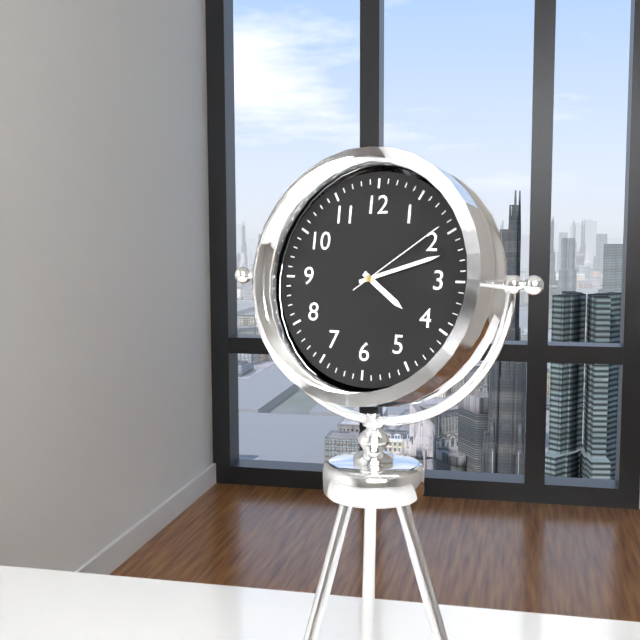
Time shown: **4:12:09**
